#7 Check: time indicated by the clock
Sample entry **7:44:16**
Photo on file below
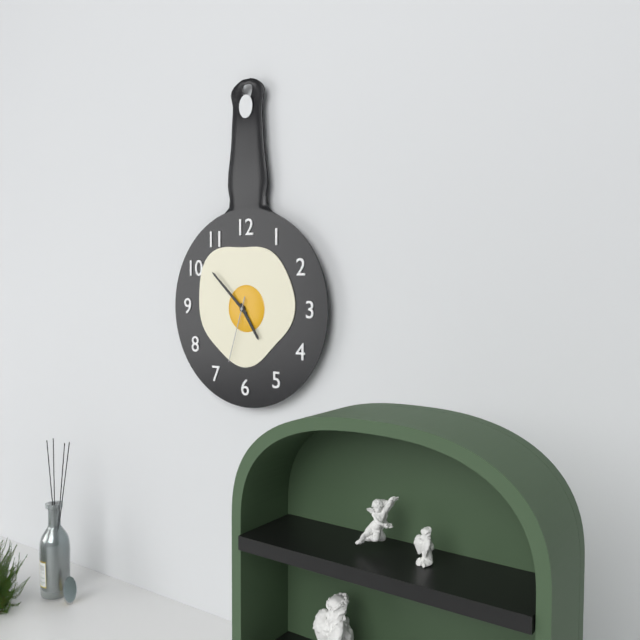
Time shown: **4:52:33**
